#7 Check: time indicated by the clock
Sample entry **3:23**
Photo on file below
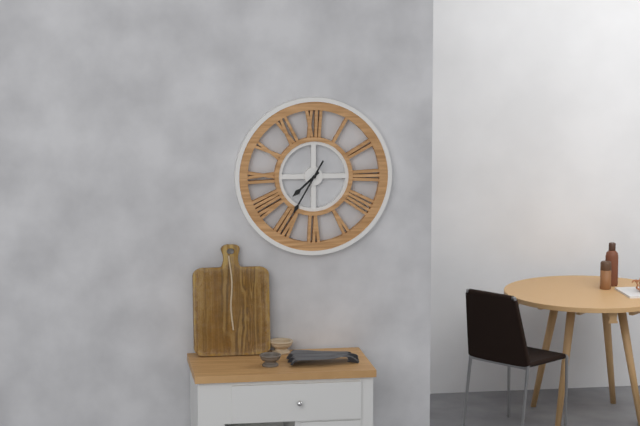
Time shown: **7:35**
